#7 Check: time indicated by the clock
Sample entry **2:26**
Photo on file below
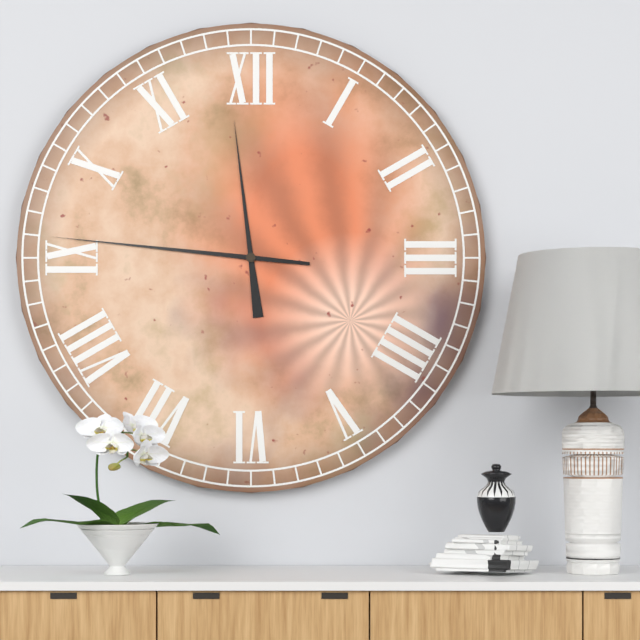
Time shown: **11:46**
